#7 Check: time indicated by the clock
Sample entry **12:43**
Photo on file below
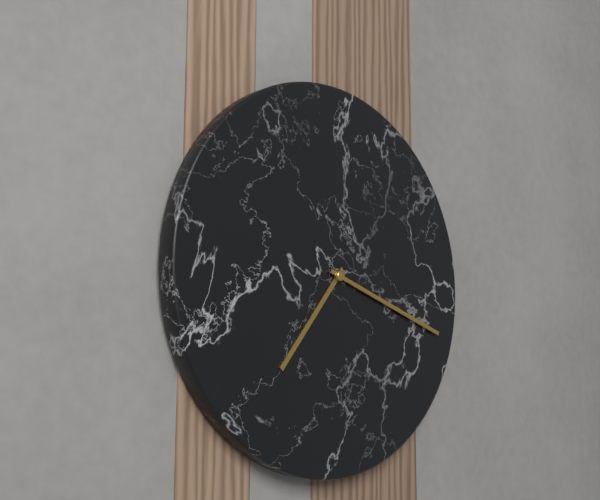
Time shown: **7:18**
